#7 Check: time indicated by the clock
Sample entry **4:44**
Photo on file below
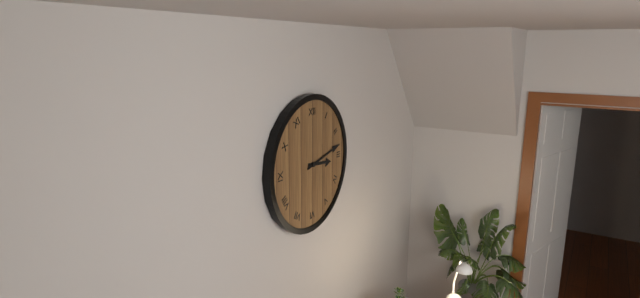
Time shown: **3:13**
